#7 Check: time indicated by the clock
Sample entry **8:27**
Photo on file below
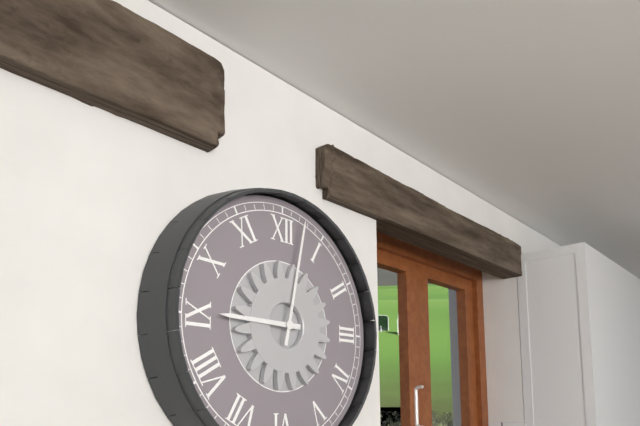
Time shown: **9:02**
